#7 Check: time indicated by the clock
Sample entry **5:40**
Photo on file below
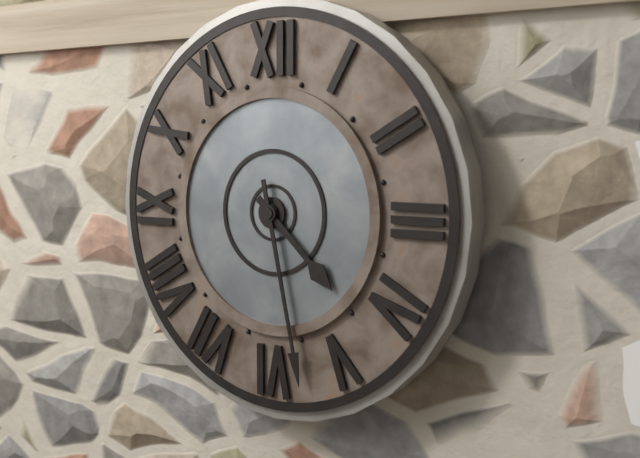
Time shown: **4:28**
